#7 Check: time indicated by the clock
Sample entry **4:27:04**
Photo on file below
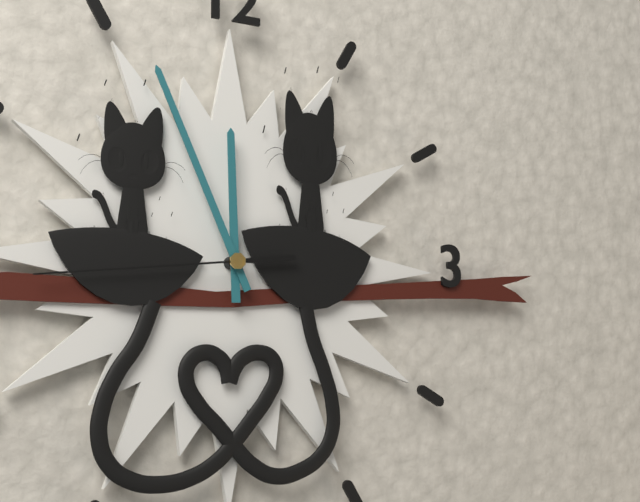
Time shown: **11:56:44**
